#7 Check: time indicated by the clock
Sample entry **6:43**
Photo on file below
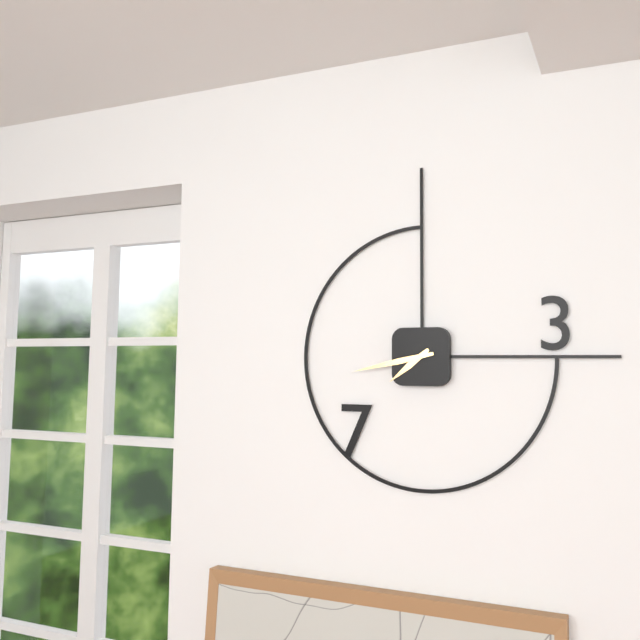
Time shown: **7:43**
